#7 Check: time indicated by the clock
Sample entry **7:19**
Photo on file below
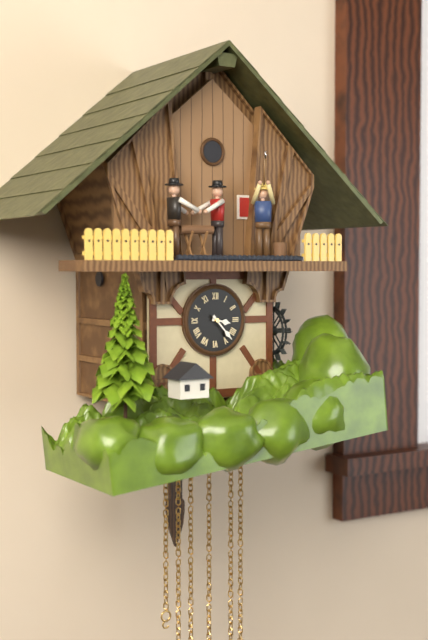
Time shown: **3:23**
